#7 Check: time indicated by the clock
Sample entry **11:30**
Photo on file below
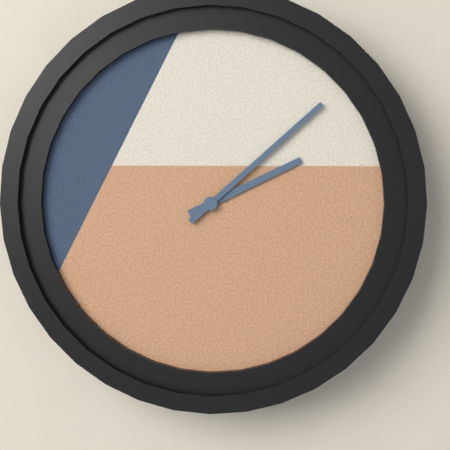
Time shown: **2:08**
